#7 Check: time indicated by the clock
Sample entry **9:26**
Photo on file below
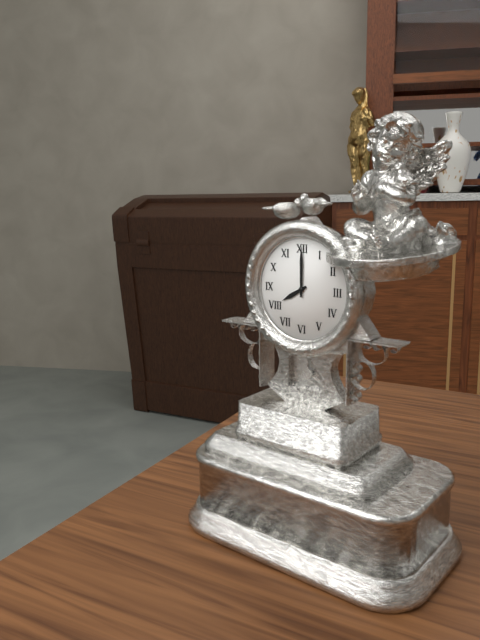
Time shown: **8:00**
